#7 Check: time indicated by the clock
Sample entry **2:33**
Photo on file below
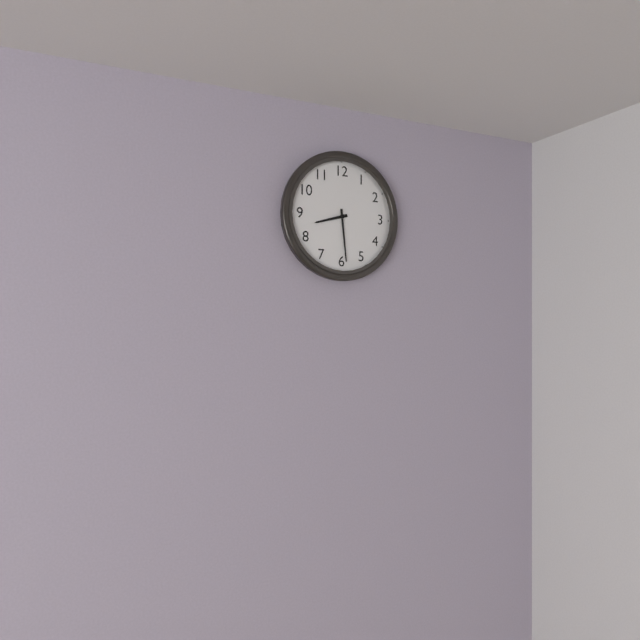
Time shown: **8:29**
